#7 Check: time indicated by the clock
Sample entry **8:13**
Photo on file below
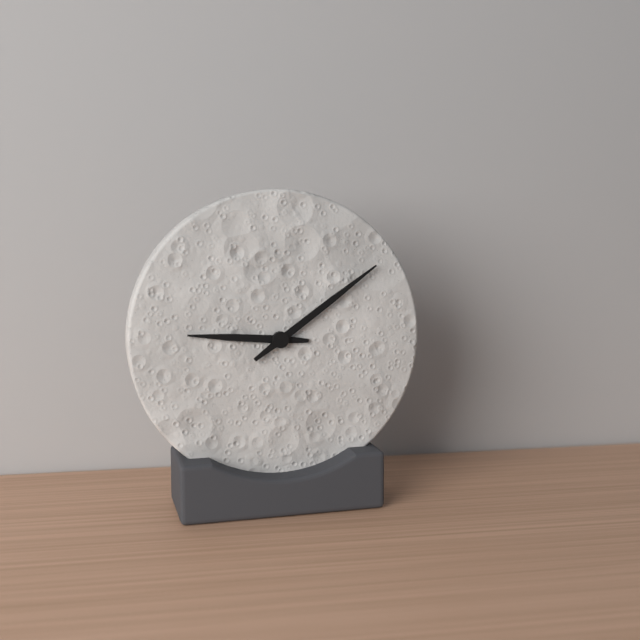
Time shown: **9:09**
